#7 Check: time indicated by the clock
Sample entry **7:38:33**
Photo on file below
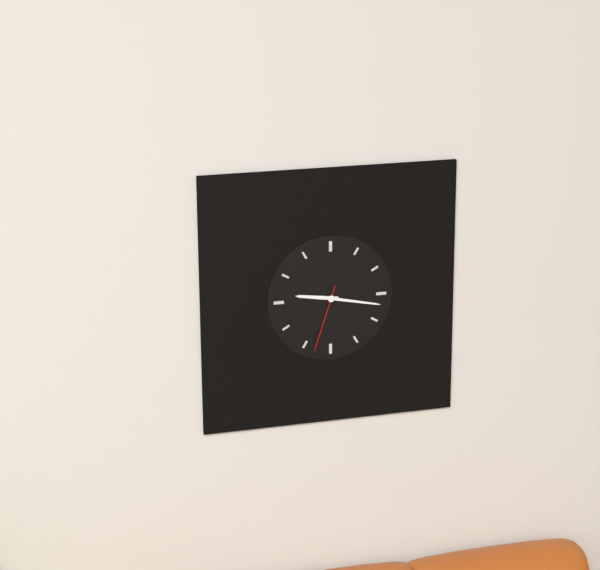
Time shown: **9:17:33**
